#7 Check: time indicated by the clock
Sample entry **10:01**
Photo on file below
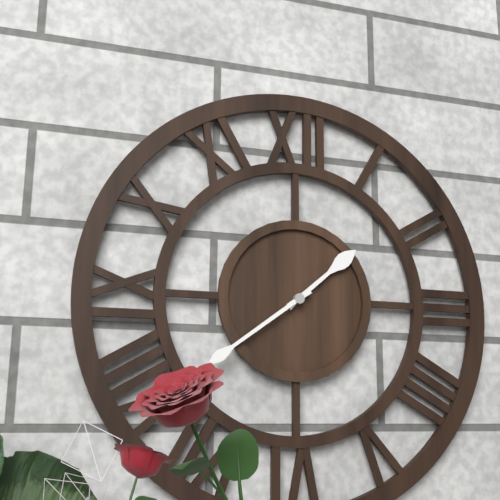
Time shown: **1:39**
